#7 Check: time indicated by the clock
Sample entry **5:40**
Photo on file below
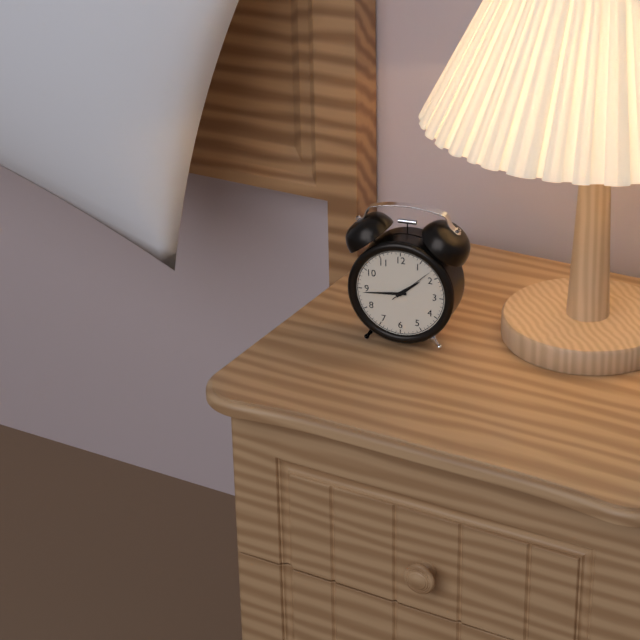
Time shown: **1:44**
